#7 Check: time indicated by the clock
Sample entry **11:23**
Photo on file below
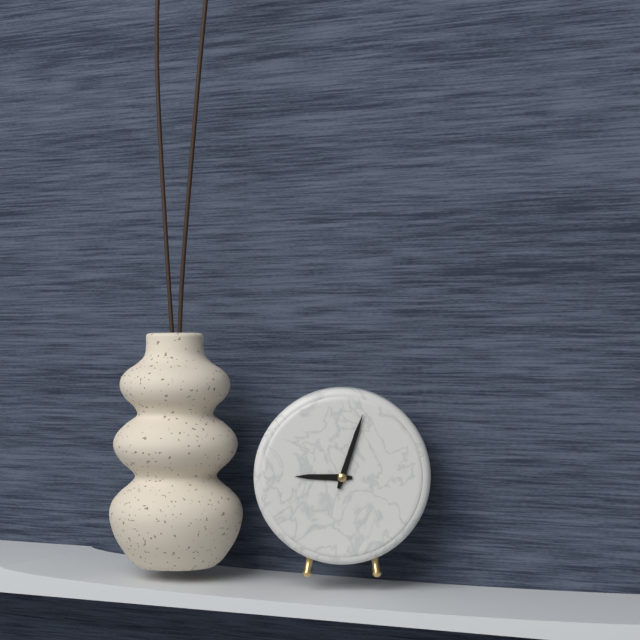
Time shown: **9:03**
